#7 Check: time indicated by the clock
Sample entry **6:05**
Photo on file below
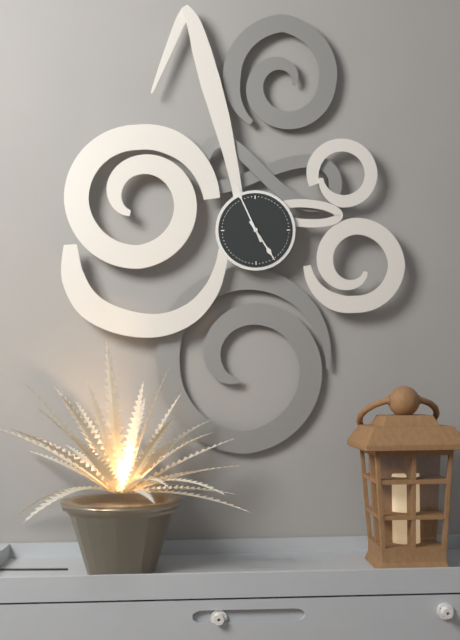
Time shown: **4:56**
